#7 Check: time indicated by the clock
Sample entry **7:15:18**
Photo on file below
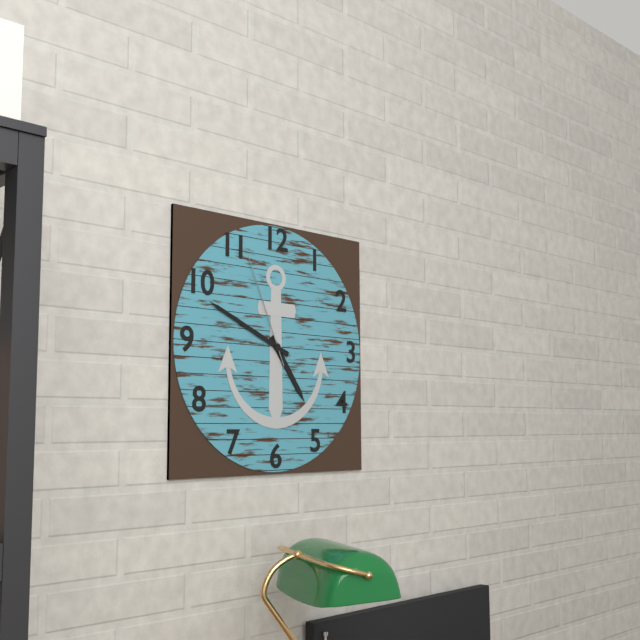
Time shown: **4:49:56**
